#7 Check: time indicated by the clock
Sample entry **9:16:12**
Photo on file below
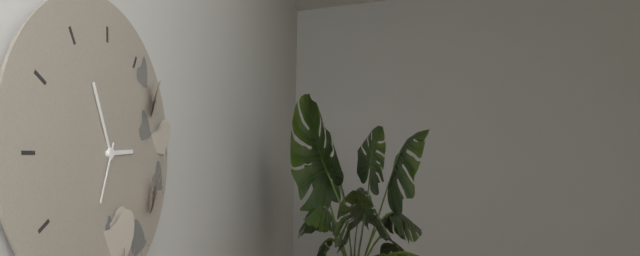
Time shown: **2:56:34**
